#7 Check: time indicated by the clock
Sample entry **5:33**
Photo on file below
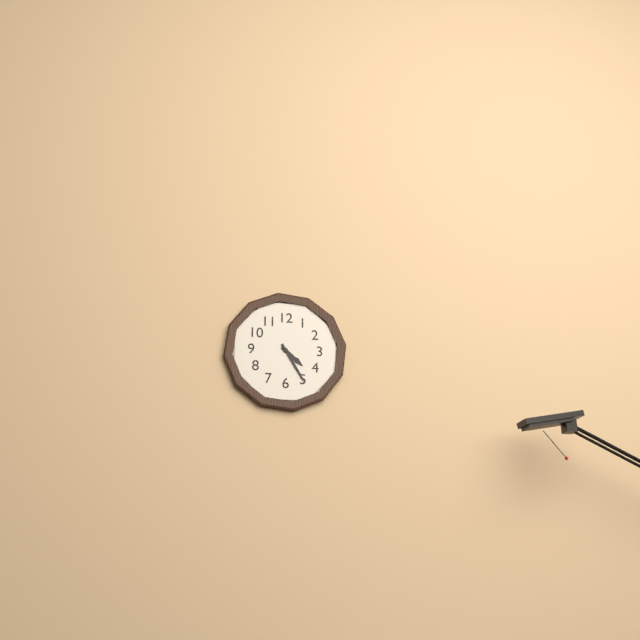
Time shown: **4:25**
